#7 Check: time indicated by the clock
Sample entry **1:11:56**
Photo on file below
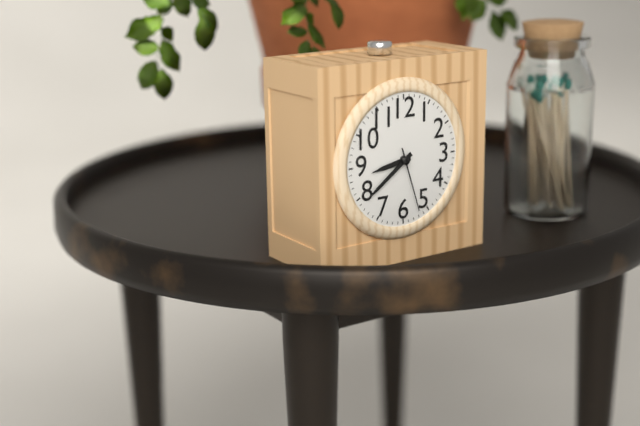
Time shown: **8:39:27**
